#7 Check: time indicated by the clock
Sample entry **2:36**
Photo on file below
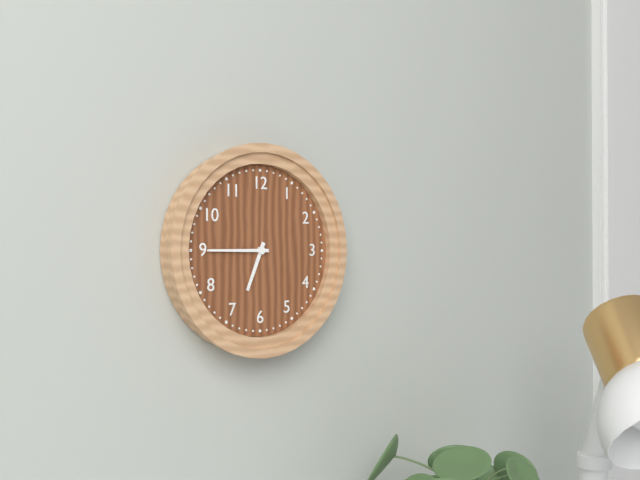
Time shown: **6:45**
